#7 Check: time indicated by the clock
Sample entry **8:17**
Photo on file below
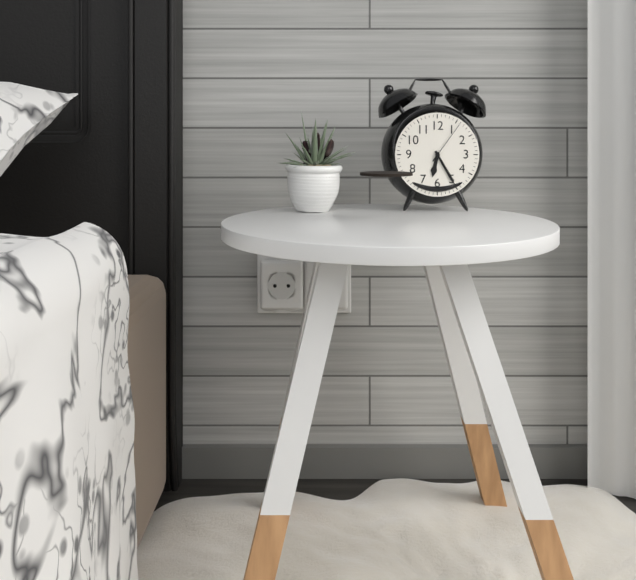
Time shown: **6:25**
